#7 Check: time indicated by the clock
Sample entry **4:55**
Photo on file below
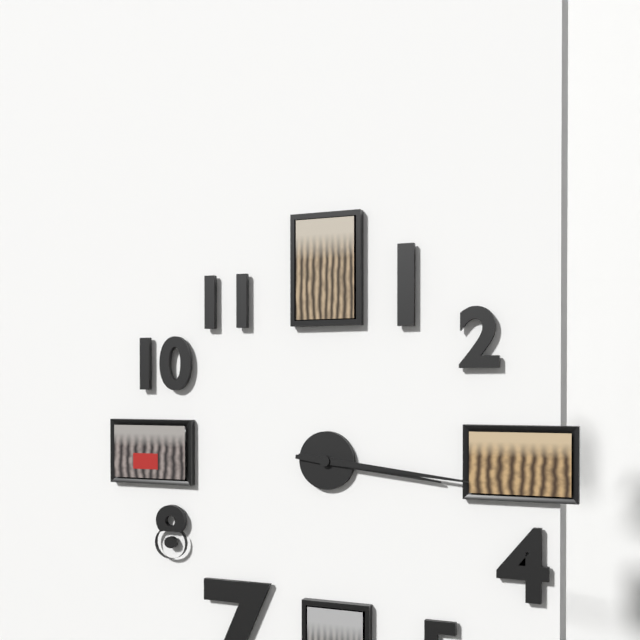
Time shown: **3:16**
